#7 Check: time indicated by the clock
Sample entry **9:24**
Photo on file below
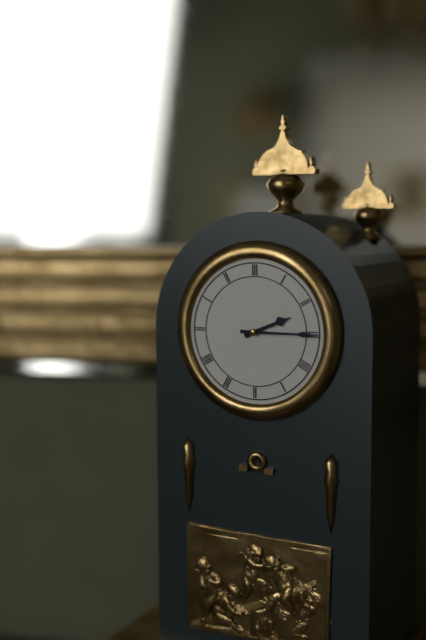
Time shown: **2:15**
